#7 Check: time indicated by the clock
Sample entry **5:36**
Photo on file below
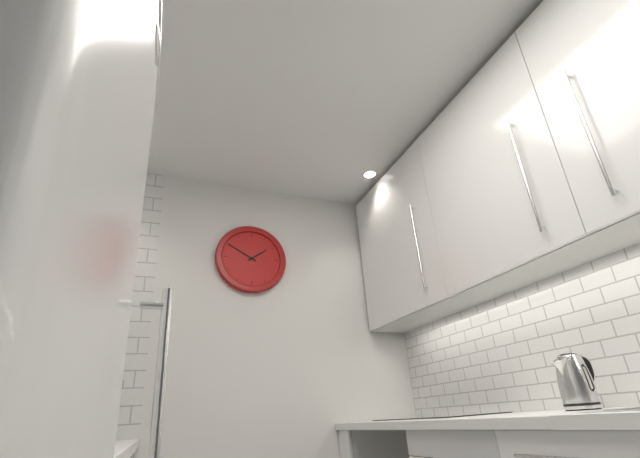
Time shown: **1:50**
